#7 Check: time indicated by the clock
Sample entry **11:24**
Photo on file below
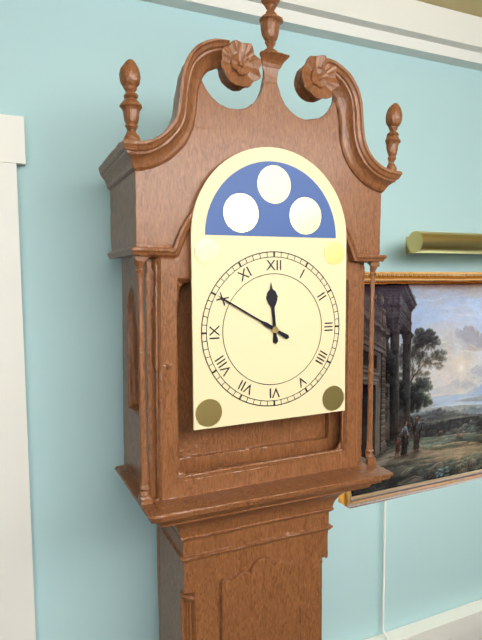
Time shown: **11:50**
